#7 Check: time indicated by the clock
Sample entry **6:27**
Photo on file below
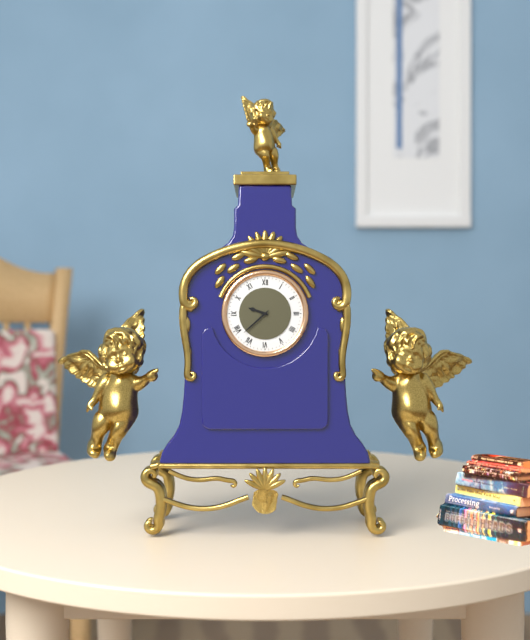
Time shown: **9:38**
